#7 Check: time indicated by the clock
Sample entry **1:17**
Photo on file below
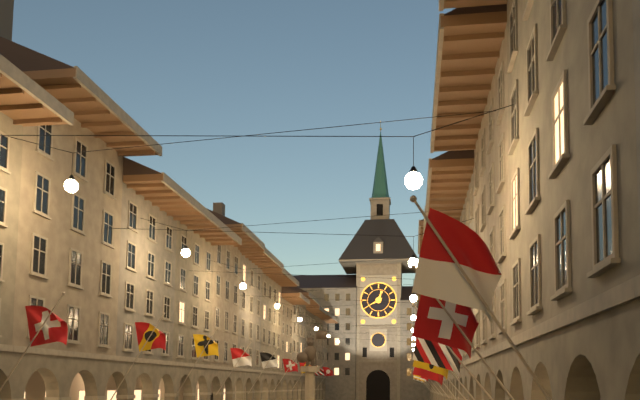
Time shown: **12:40**
